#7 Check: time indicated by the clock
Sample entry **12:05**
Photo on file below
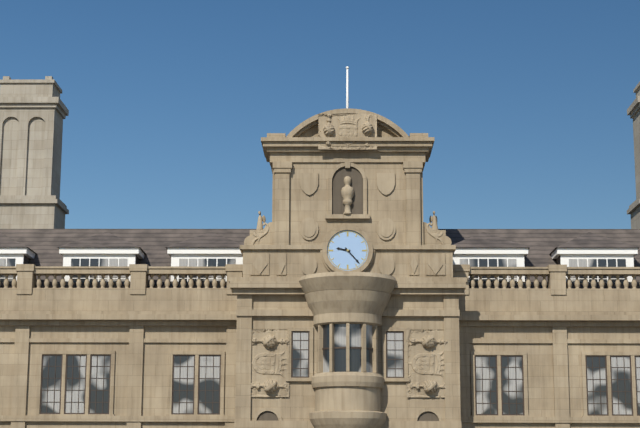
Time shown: **9:23**
